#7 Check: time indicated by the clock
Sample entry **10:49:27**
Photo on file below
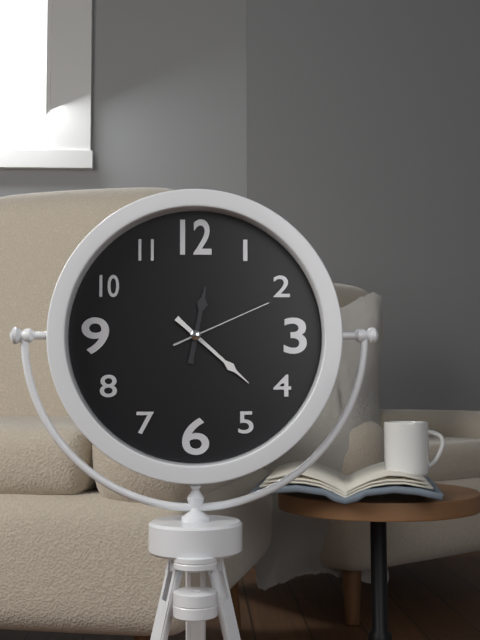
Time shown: **12:22:11**
